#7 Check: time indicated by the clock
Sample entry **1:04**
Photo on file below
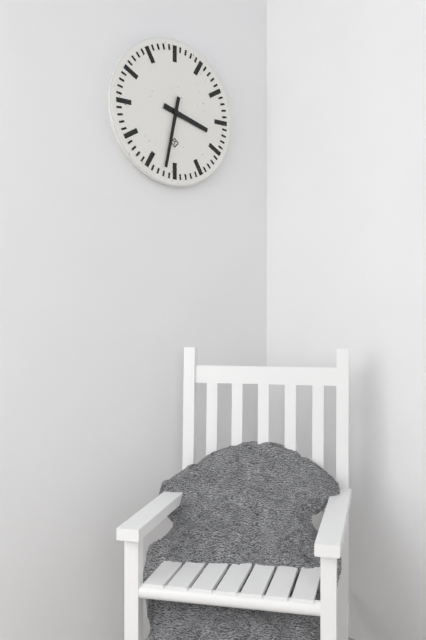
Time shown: **3:32**
